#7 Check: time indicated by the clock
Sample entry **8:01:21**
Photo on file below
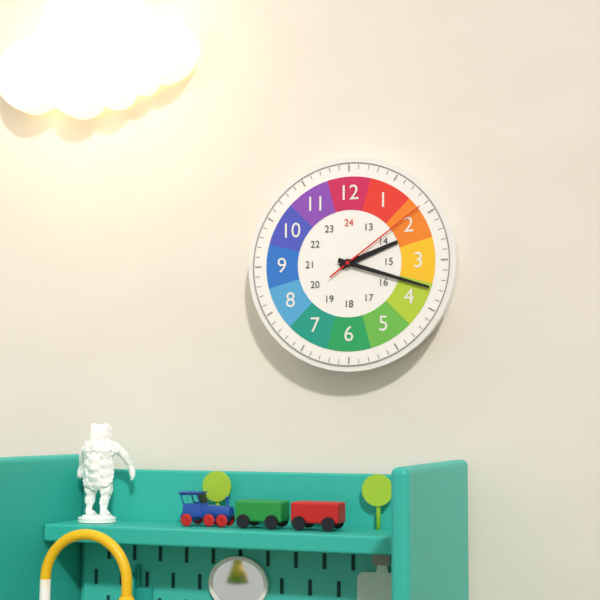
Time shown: **2:18:09**
